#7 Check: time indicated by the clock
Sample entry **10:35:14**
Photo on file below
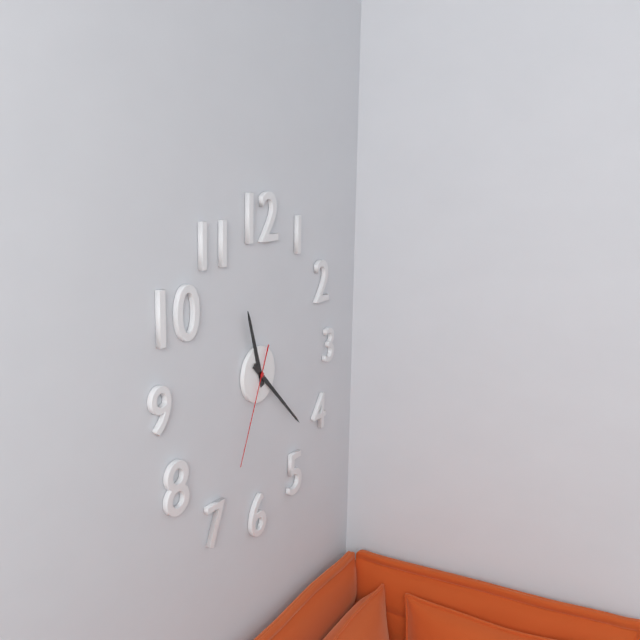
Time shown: **11:22:34**
